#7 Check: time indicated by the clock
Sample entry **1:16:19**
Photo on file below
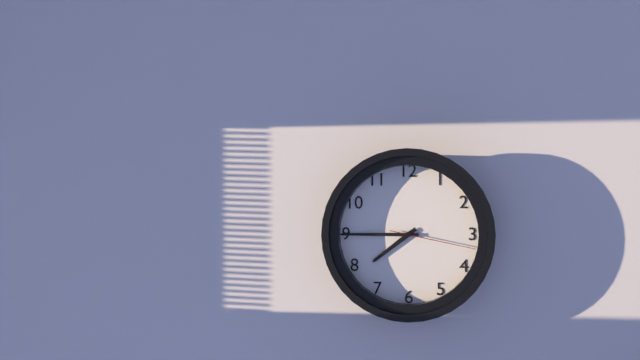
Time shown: **7:45:17**
